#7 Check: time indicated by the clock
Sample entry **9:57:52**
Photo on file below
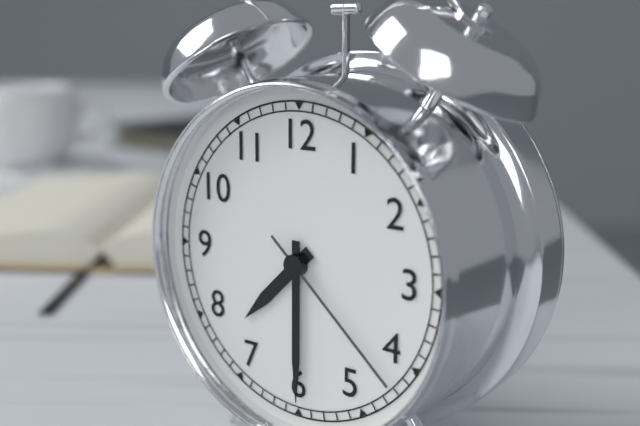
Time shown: **7:30:22**
